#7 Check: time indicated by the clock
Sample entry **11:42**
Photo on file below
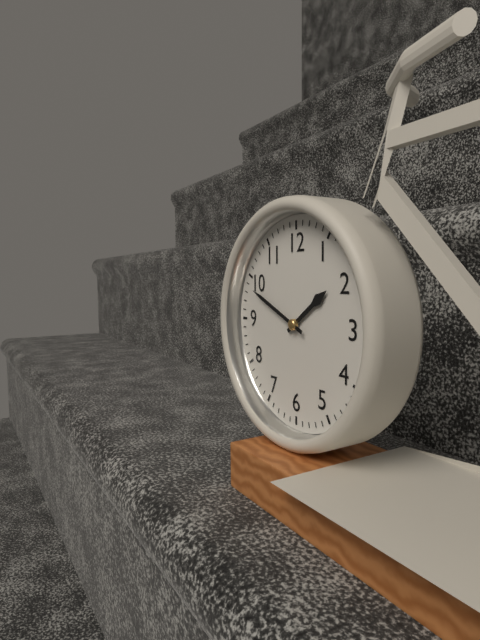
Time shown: **1:49**
